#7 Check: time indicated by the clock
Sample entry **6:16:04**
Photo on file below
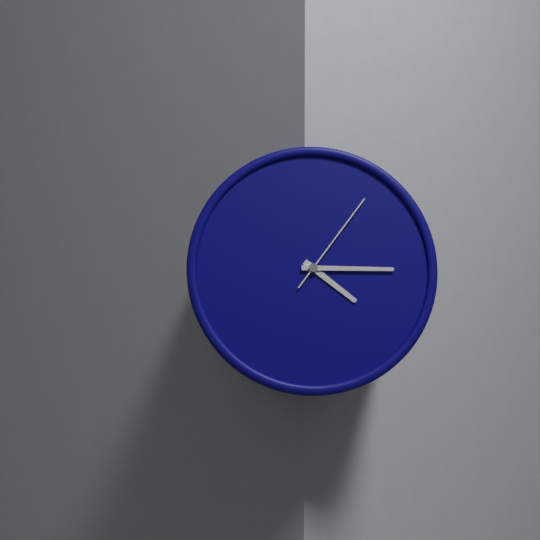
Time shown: **4:15:06**
